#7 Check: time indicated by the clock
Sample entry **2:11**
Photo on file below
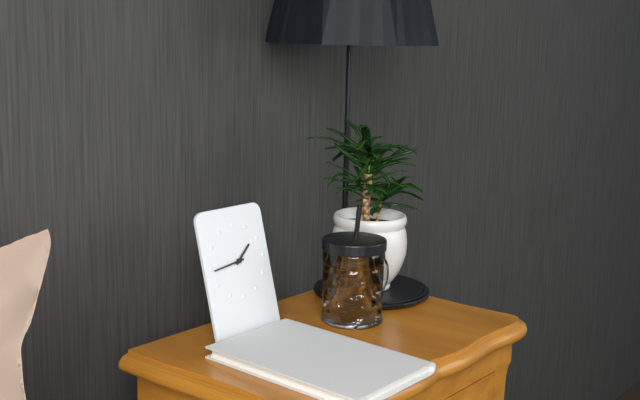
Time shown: **1:44**
